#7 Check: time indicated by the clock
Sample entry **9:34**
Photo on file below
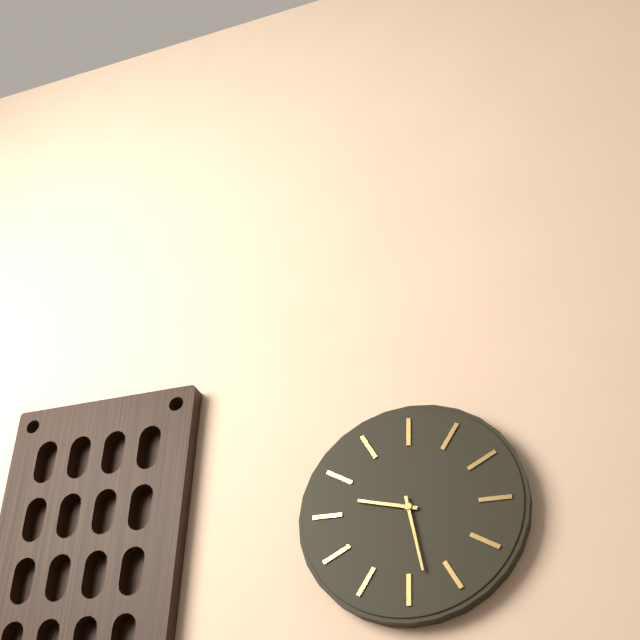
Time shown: **9:28**
